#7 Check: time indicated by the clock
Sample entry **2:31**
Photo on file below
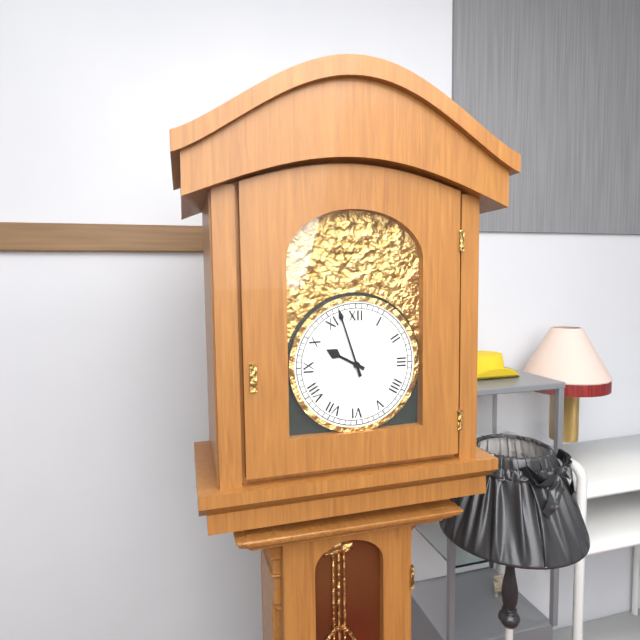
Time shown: **9:57**
